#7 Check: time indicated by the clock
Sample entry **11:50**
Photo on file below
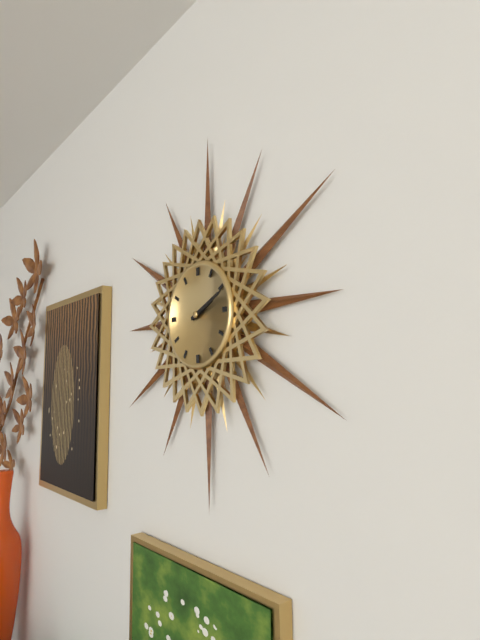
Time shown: **2:11**
